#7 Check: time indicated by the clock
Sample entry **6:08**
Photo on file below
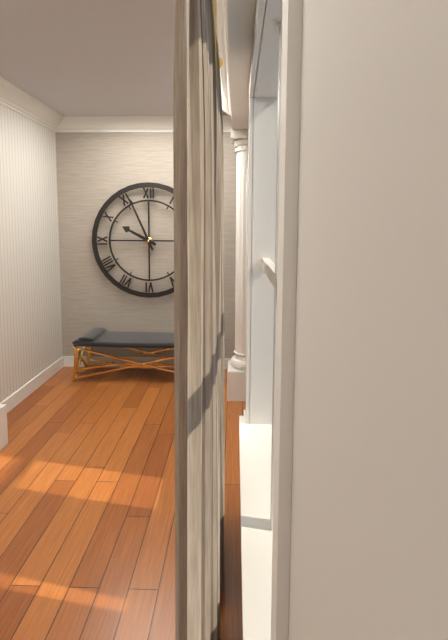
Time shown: **9:56**
